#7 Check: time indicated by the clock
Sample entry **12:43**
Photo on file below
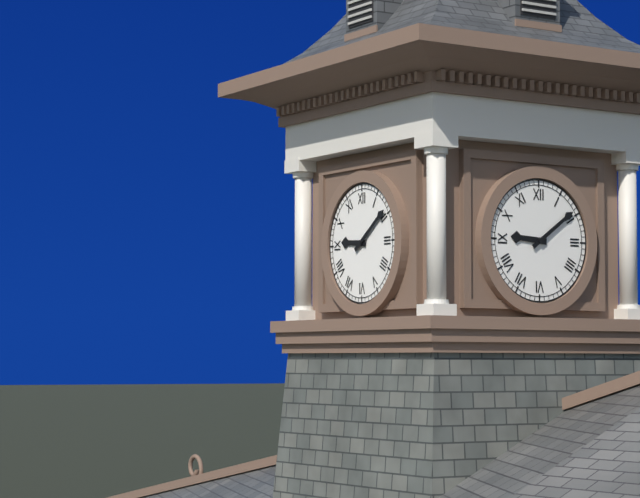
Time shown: **9:09**
